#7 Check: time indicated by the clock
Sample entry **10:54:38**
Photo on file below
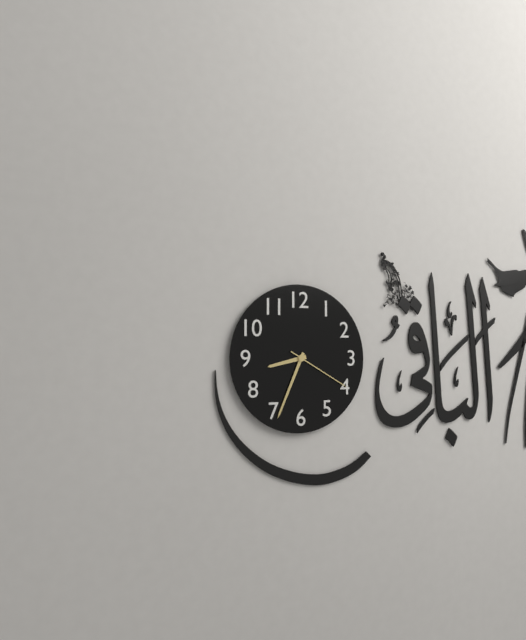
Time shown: **8:34:20**
